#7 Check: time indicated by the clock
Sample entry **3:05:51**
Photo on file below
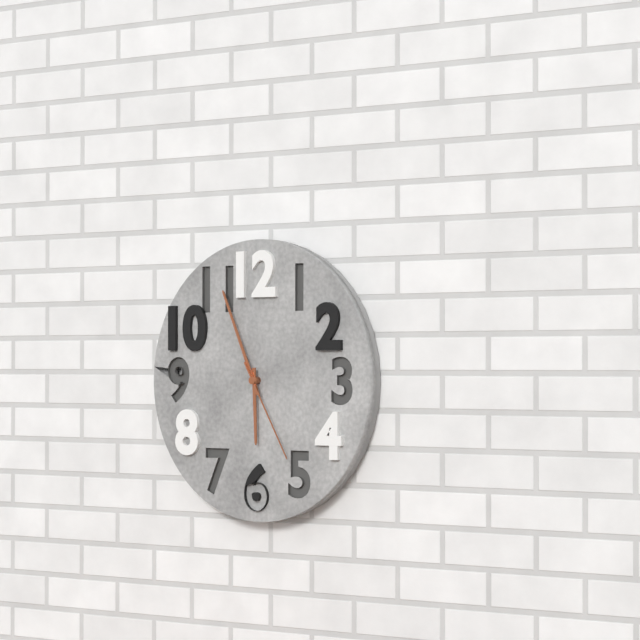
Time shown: **5:56:25**
